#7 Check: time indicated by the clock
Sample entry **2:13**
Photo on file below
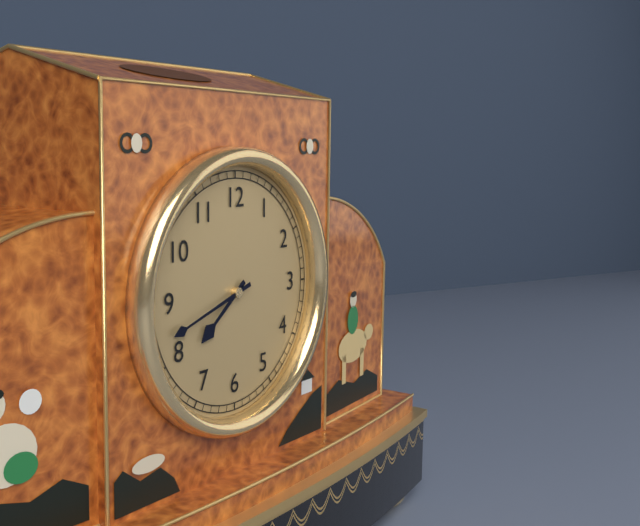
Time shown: **7:42**
